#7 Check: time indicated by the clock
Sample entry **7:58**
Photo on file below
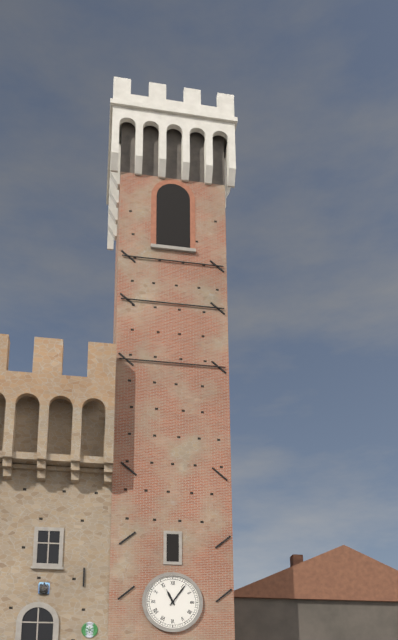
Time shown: **11:06**
